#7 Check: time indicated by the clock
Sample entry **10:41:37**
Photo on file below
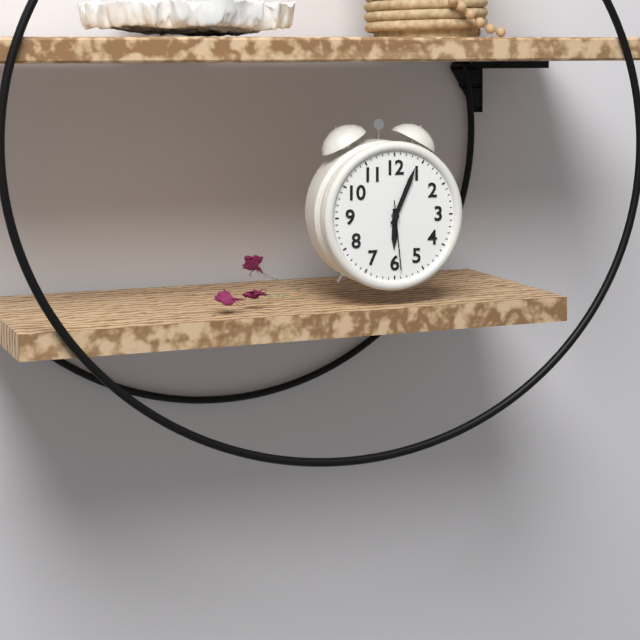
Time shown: **6:04:29**
